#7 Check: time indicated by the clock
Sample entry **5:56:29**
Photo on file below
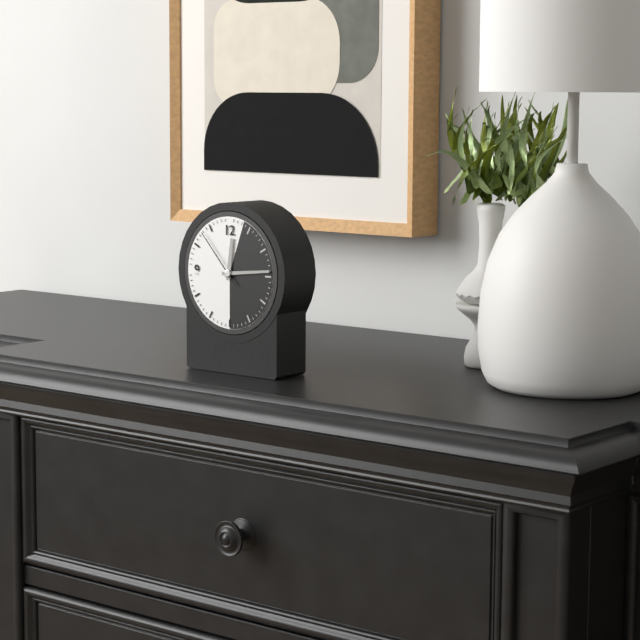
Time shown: **12:14:53**
